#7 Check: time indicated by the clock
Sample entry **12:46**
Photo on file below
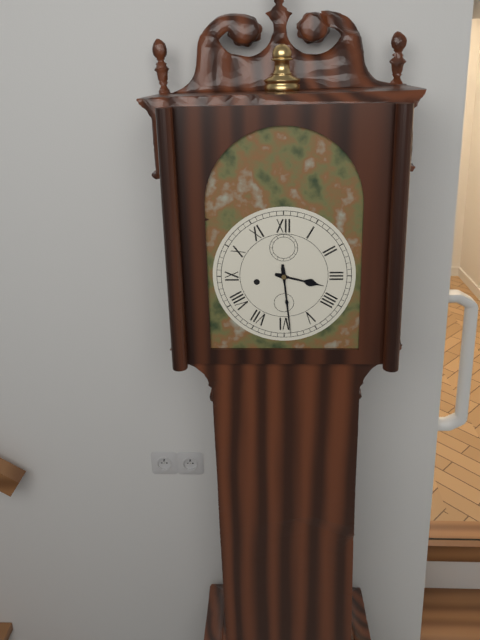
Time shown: **3:29**
